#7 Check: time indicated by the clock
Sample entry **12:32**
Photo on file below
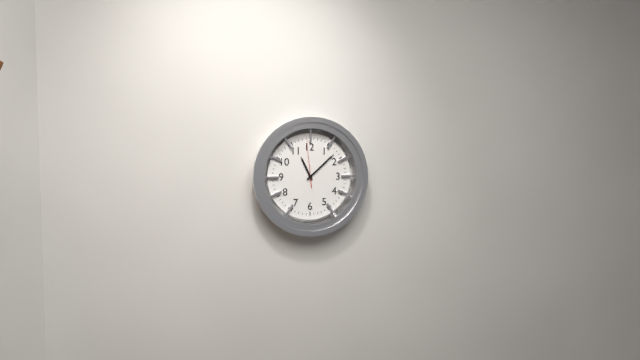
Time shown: **11:08**
